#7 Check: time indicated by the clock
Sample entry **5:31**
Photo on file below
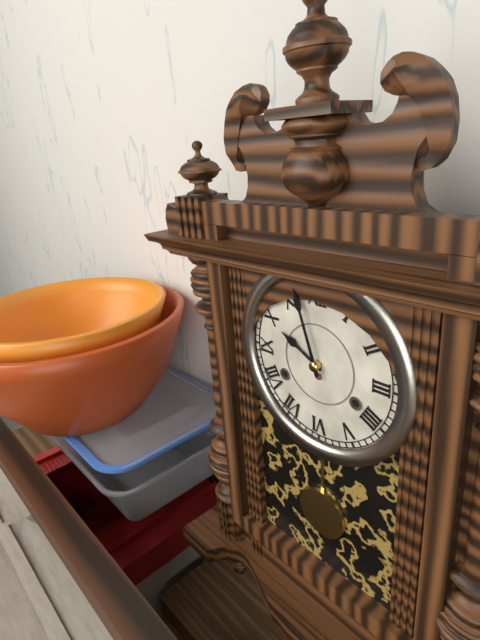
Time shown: **9:57**
